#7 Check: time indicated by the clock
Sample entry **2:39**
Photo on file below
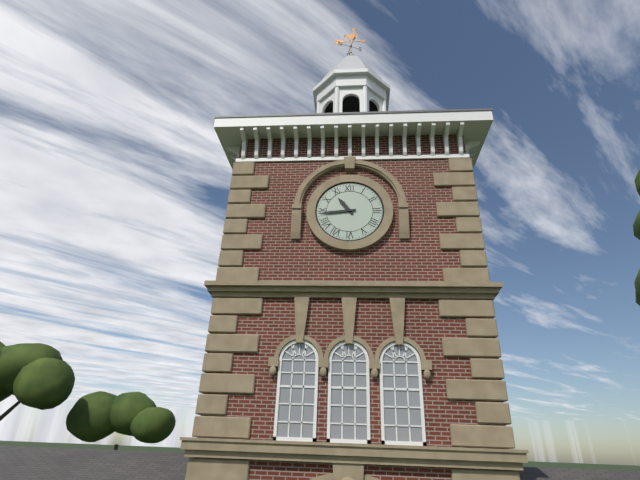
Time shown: **10:44**
